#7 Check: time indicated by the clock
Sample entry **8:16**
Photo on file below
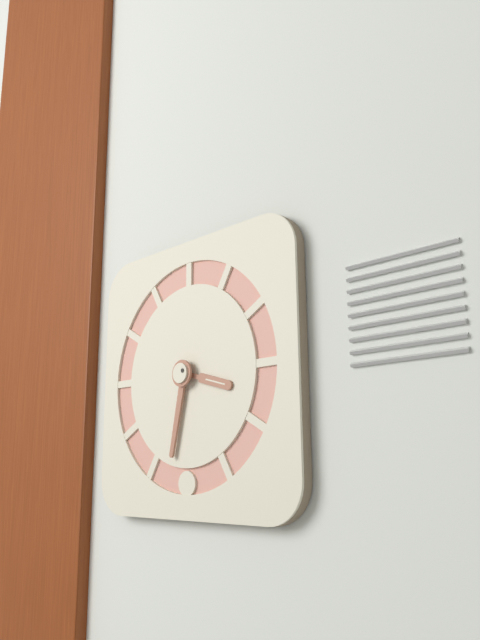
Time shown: **3:32**
